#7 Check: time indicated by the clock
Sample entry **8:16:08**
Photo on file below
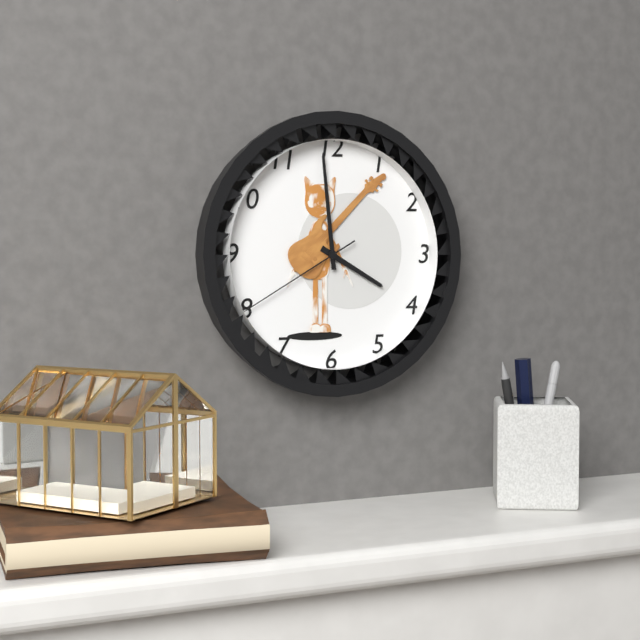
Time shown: **3:59:40**
